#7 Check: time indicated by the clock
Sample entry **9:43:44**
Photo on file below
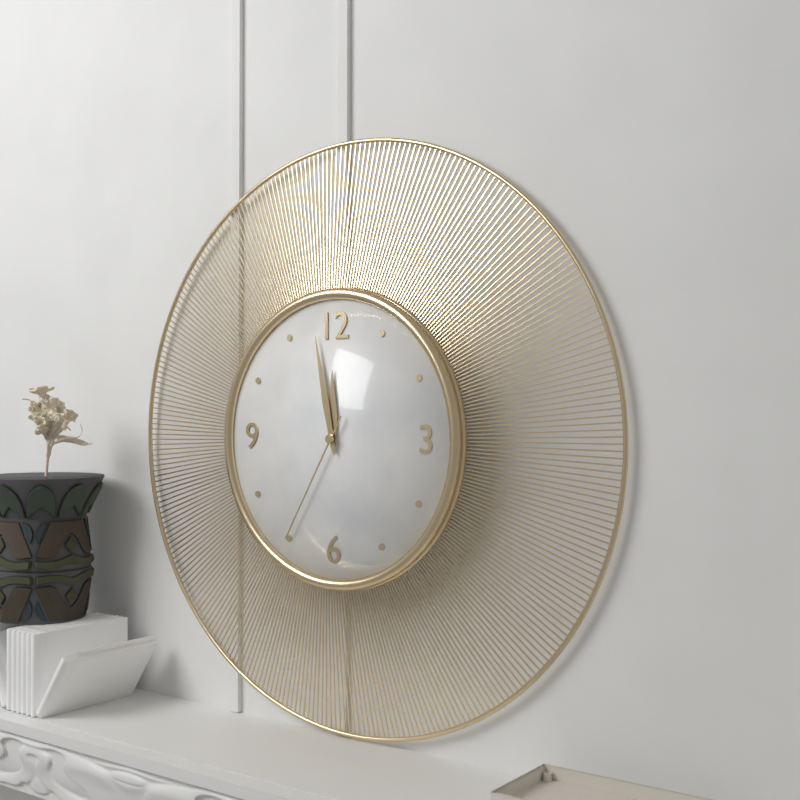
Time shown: **11:58:35**
